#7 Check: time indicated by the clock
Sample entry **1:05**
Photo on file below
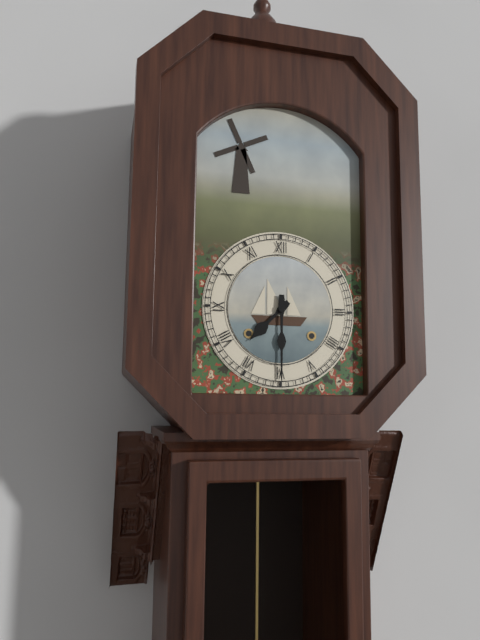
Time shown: **7:30**
